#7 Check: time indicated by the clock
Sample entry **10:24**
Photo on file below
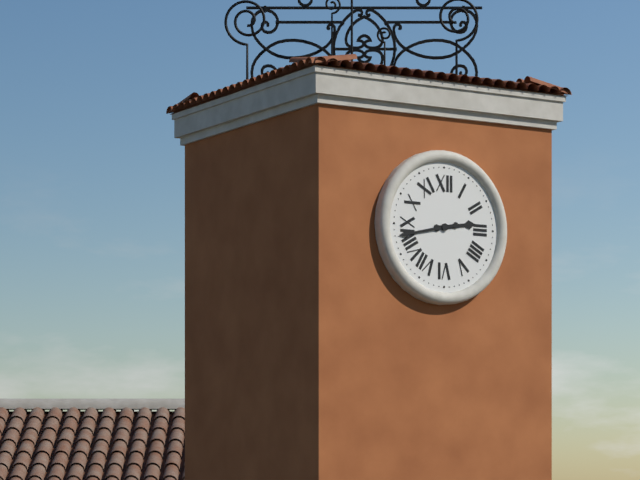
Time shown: **2:43**
